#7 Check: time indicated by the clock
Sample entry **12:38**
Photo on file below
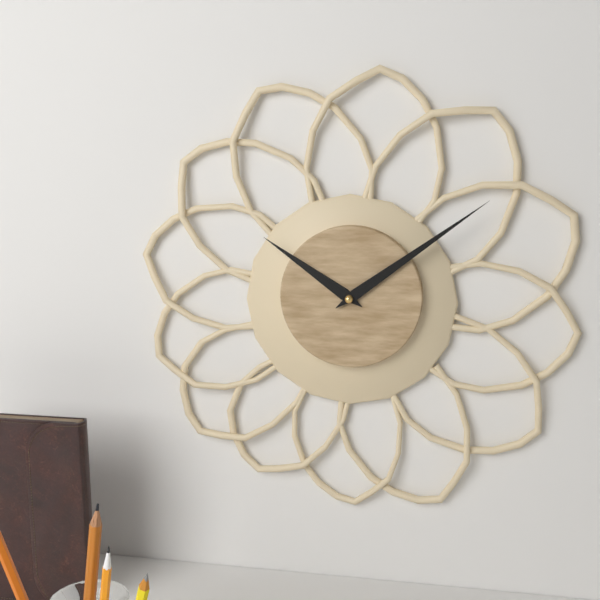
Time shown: **10:09**
